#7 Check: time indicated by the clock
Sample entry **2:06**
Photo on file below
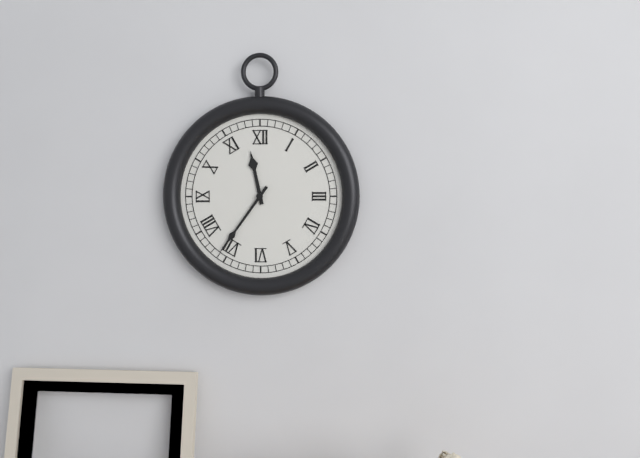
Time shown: **11:36**
